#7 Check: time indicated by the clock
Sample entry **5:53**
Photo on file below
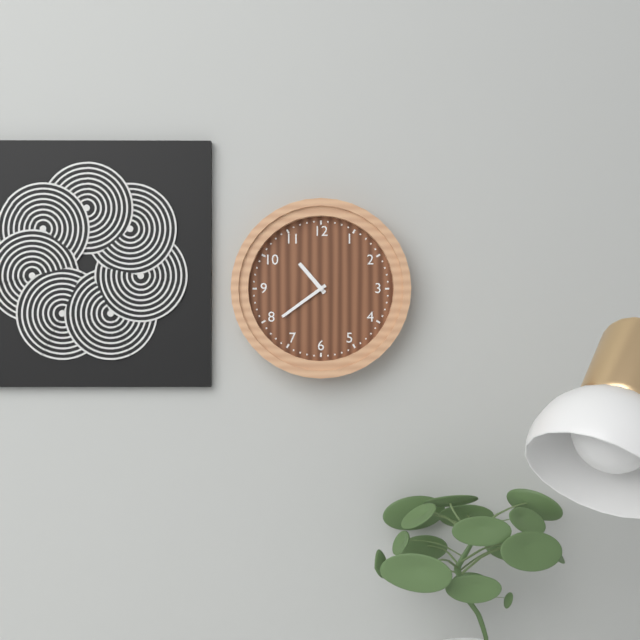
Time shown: **10:39**
